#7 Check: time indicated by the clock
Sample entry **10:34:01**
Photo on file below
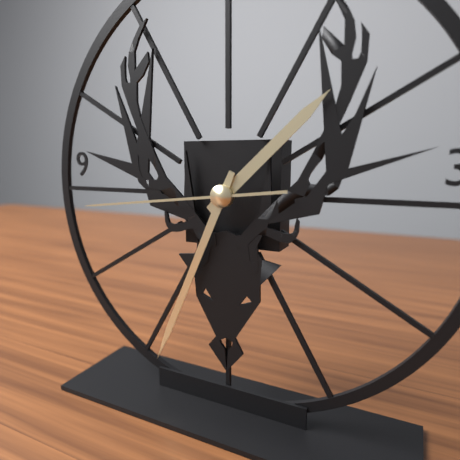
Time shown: **1:34:44**
